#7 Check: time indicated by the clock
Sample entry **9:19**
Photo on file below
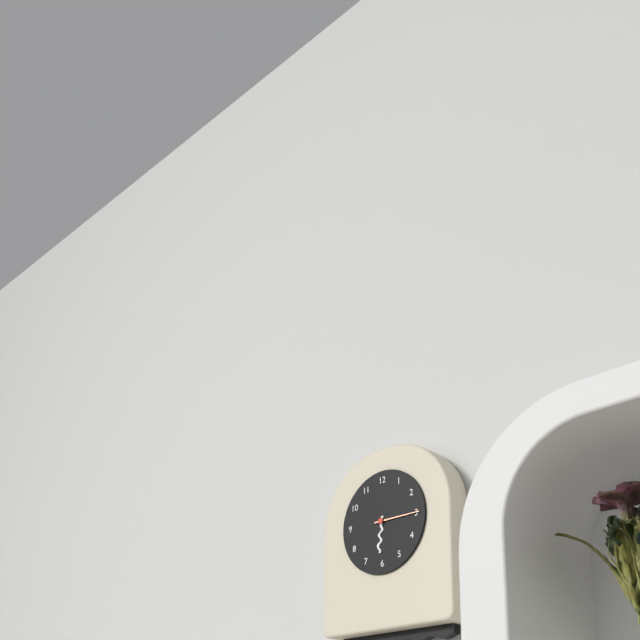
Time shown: **6:15**
